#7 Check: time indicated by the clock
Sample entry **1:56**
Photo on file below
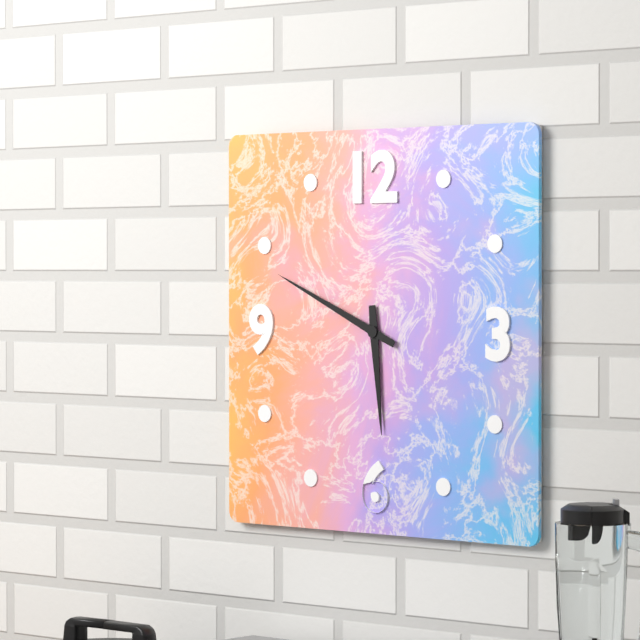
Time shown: **5:49**
